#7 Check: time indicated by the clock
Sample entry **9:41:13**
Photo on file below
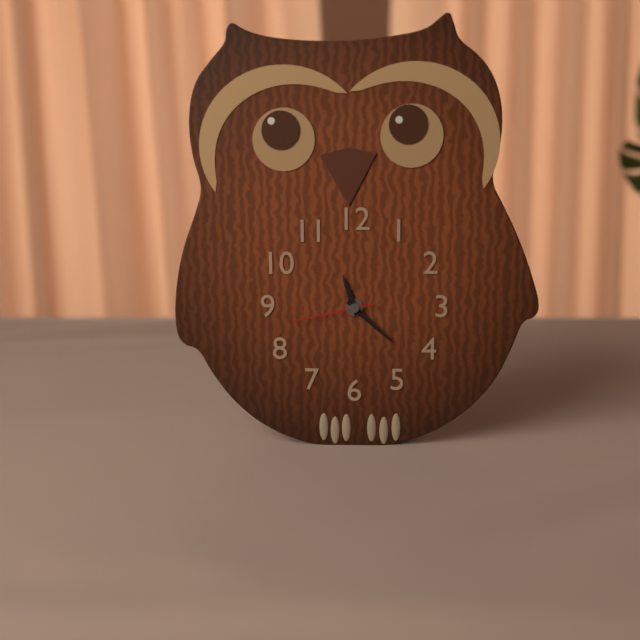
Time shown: **11:22:43**
